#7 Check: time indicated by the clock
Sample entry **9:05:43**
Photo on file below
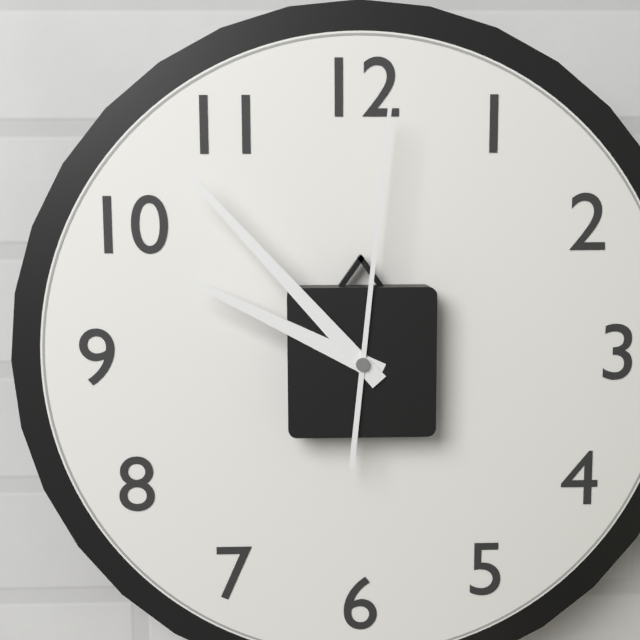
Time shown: **9:53:01**
